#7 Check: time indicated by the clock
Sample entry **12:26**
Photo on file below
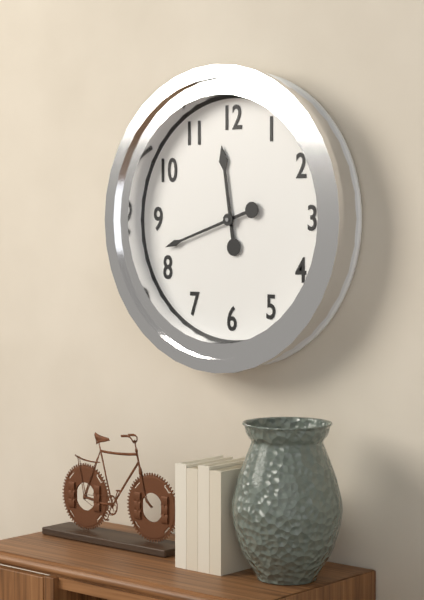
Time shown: **11:42**
